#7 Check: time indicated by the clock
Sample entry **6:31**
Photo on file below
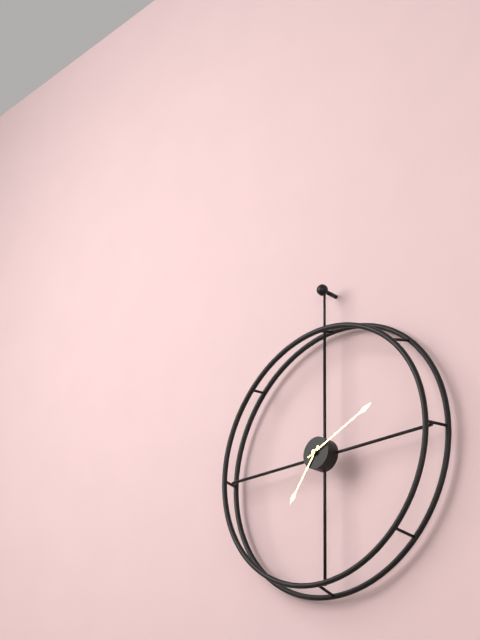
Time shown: **7:11**
